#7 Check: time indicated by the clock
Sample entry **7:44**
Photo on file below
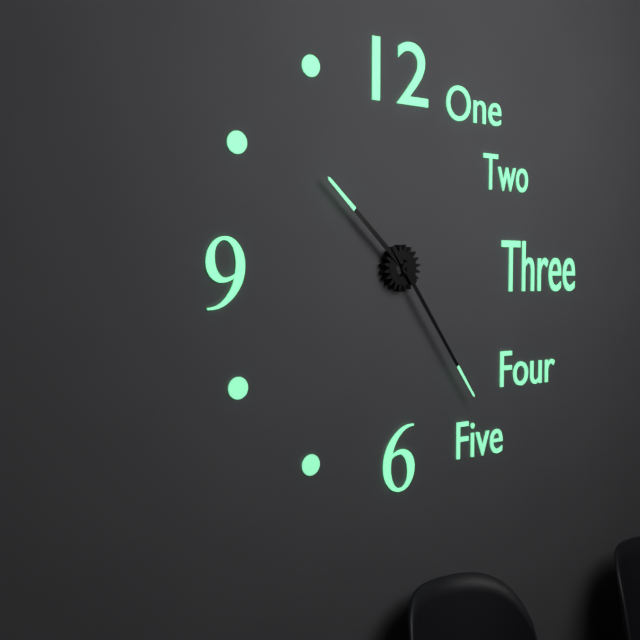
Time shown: **10:24**
